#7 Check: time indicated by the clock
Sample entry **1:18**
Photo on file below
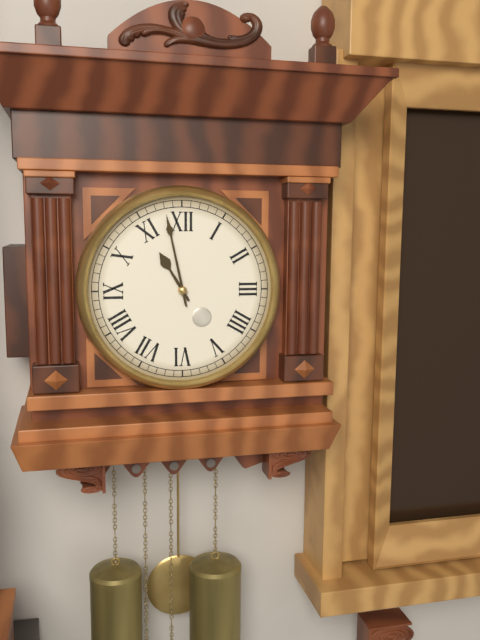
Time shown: **10:58**
